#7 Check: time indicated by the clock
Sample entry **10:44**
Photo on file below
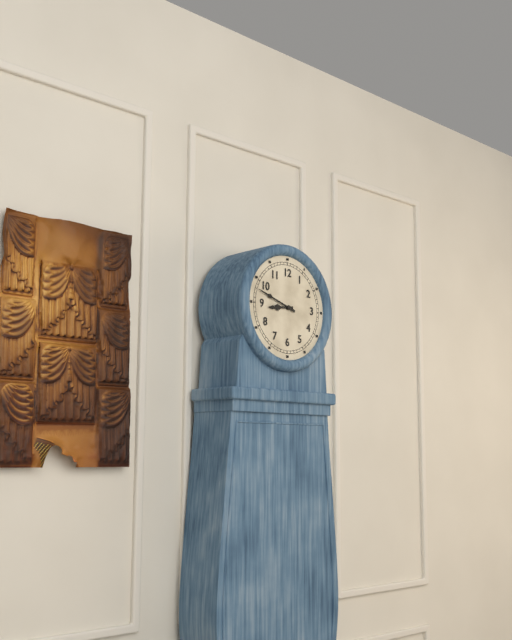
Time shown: **8:48**
